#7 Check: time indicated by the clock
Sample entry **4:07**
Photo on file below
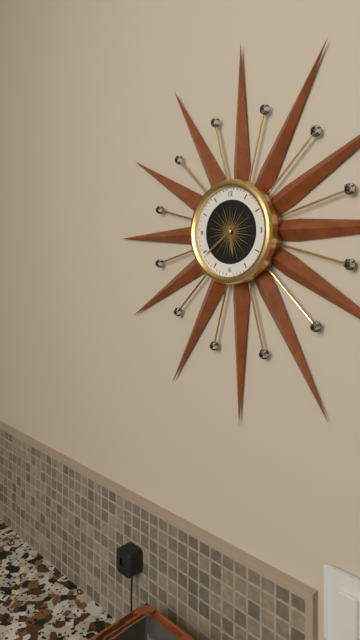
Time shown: **5:39**
